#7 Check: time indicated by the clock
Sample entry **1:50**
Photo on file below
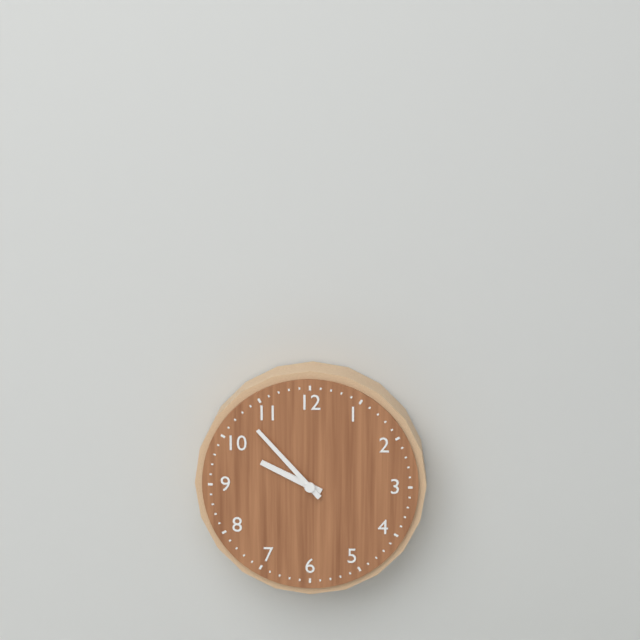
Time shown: **9:53**
